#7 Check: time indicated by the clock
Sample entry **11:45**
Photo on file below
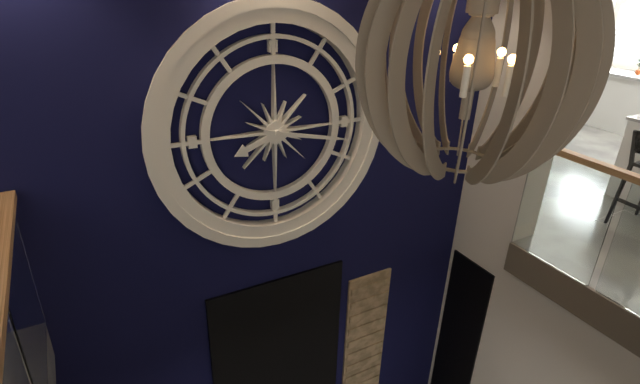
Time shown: **8:17**
